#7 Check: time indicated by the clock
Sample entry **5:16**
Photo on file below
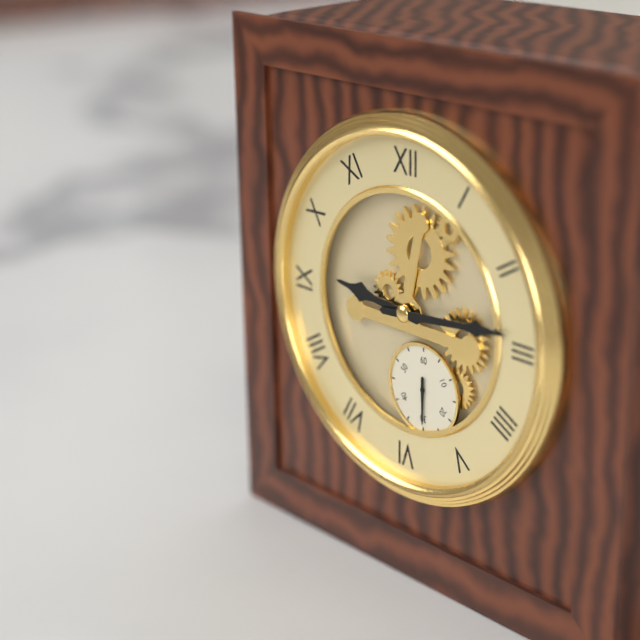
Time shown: **9:14**
